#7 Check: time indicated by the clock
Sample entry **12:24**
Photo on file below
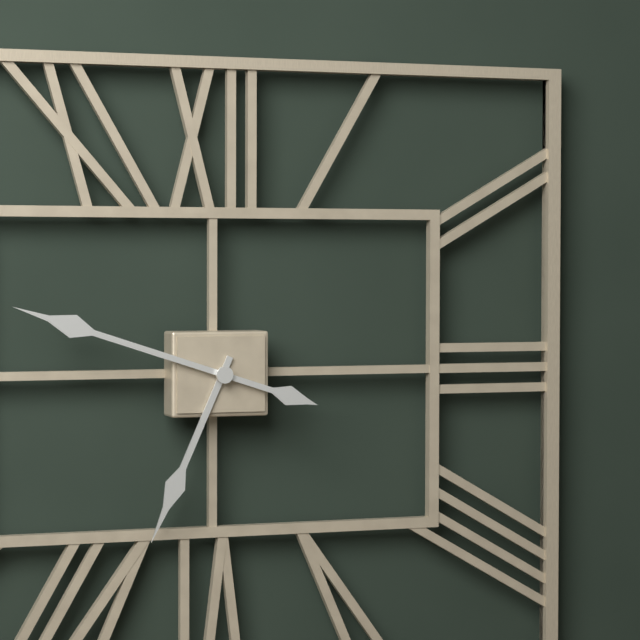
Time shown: **6:48**
